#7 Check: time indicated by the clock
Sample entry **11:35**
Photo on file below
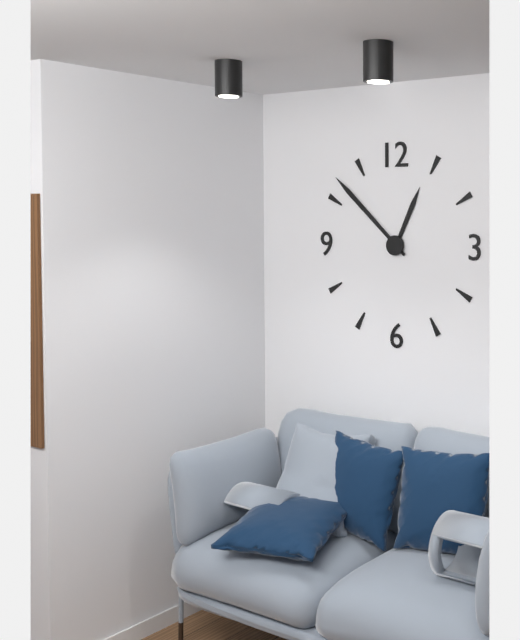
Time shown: **12:52**
